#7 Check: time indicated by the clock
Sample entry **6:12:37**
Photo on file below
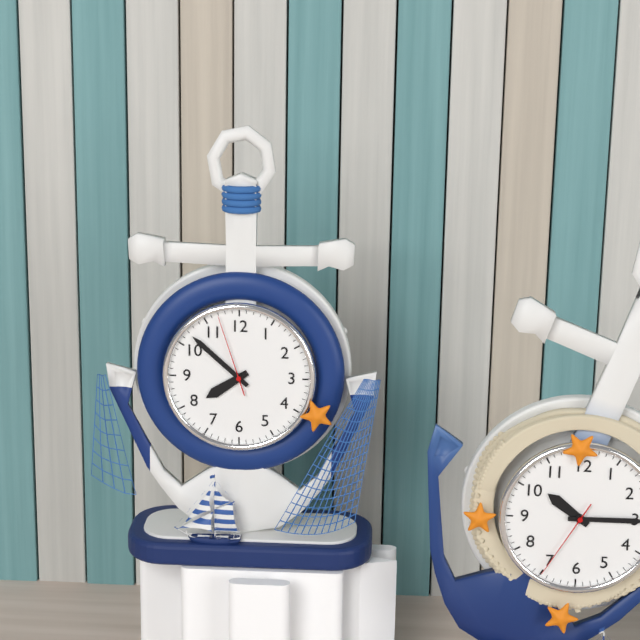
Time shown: **7:52:57**
